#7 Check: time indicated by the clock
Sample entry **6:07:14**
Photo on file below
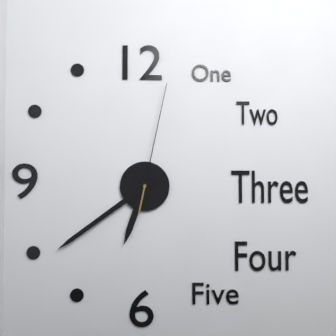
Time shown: **6:39:02**
